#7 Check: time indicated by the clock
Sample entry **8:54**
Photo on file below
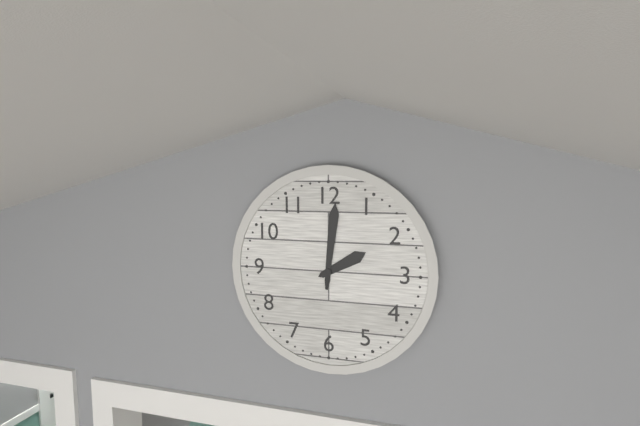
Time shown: **2:01**
